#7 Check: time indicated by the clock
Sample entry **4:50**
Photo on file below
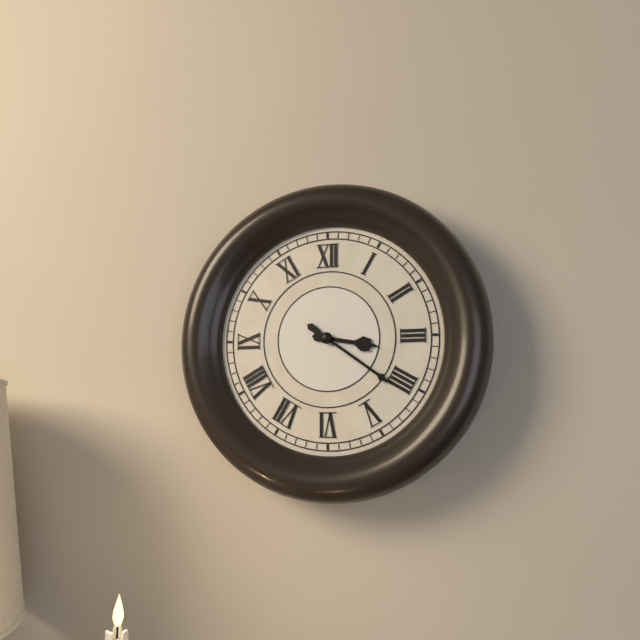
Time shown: **3:21**
